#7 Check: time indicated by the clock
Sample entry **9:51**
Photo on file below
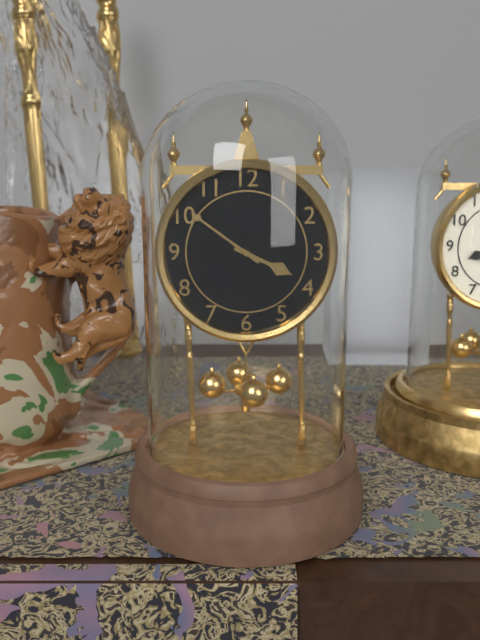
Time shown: **3:51**
